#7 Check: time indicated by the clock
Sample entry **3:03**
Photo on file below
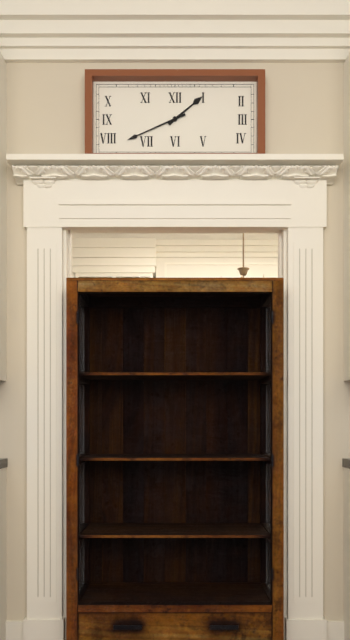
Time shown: **1:41**
